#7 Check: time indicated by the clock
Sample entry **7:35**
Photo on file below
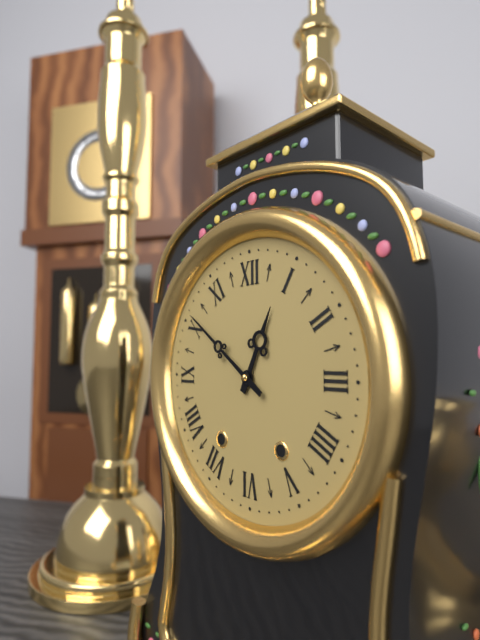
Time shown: **12:51**
